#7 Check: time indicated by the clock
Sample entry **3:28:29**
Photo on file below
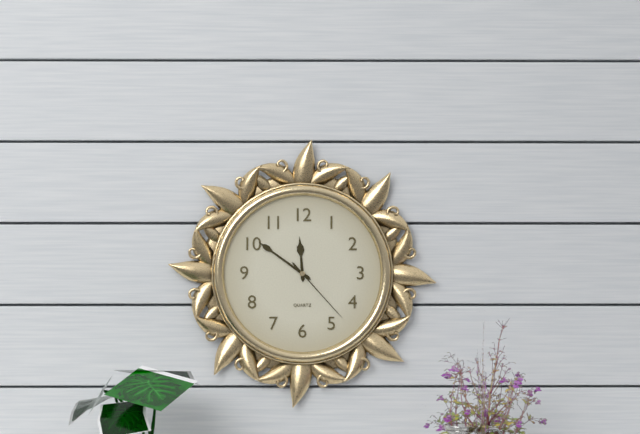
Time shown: **11:51:23**
